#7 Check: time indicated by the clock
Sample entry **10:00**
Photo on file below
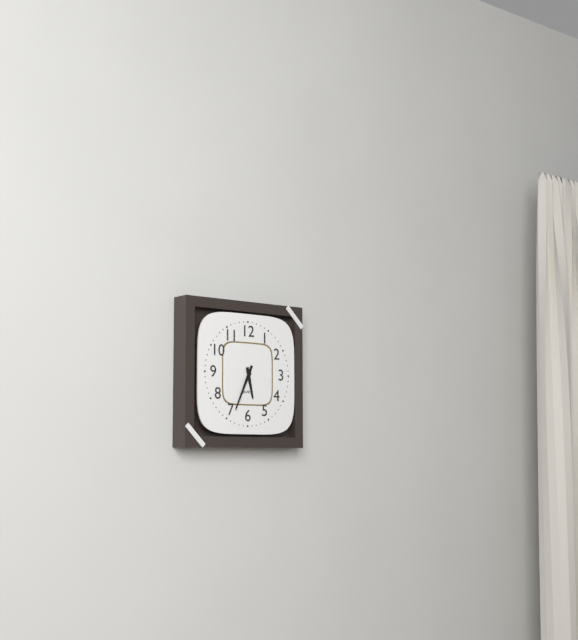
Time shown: **5:34**
